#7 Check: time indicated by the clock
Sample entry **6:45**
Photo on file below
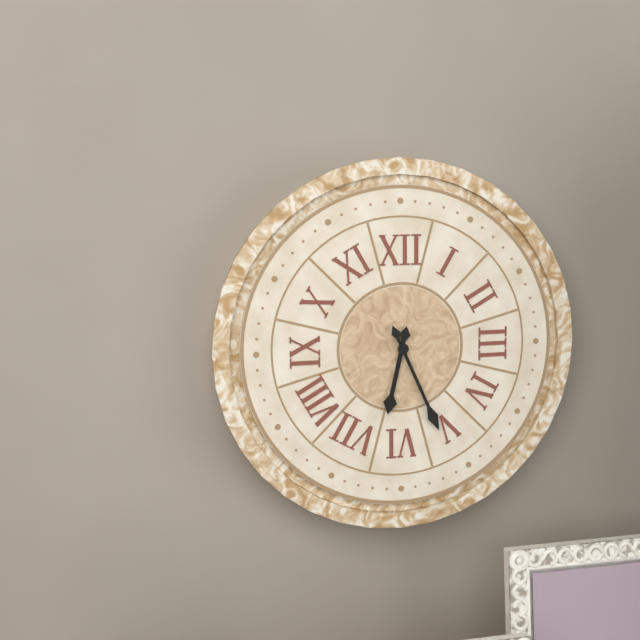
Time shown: **6:26**
